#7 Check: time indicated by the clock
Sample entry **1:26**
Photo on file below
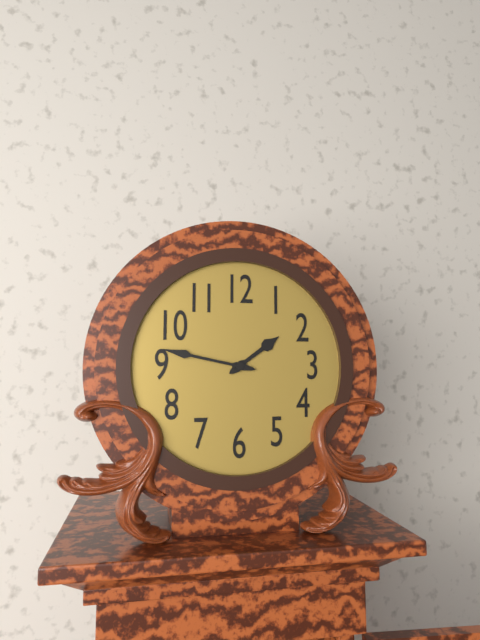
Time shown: **1:47**
